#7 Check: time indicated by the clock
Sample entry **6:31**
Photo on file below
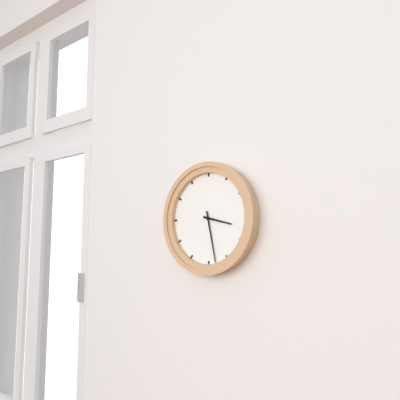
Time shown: **3:28**
